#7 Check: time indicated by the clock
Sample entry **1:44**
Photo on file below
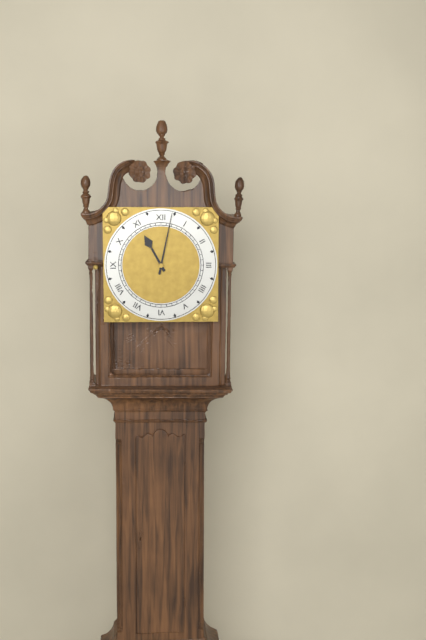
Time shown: **11:02**
